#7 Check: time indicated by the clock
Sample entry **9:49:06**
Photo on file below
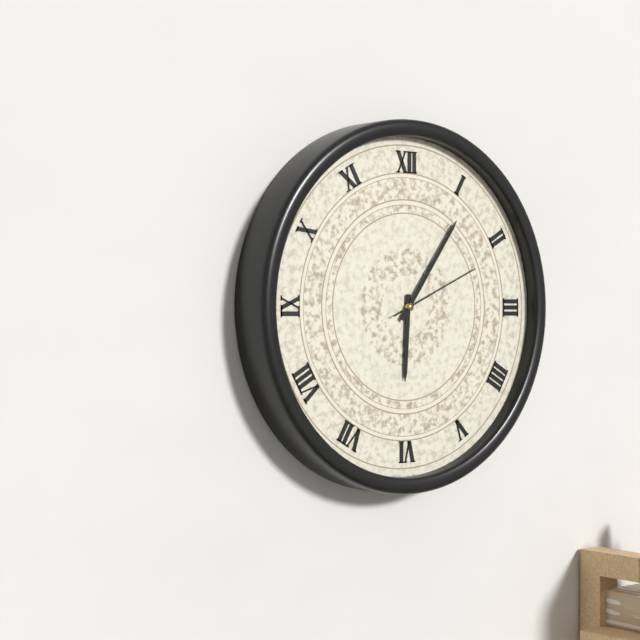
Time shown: **6:06:11**
